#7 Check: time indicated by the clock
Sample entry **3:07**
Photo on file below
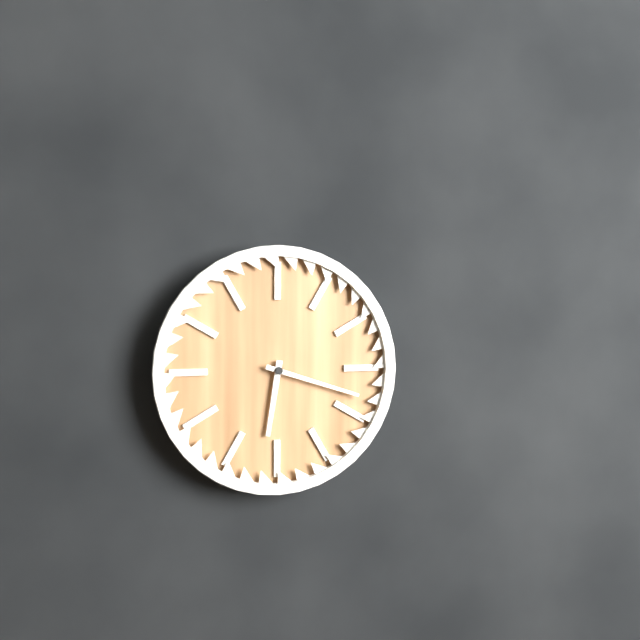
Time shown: **6:18**
